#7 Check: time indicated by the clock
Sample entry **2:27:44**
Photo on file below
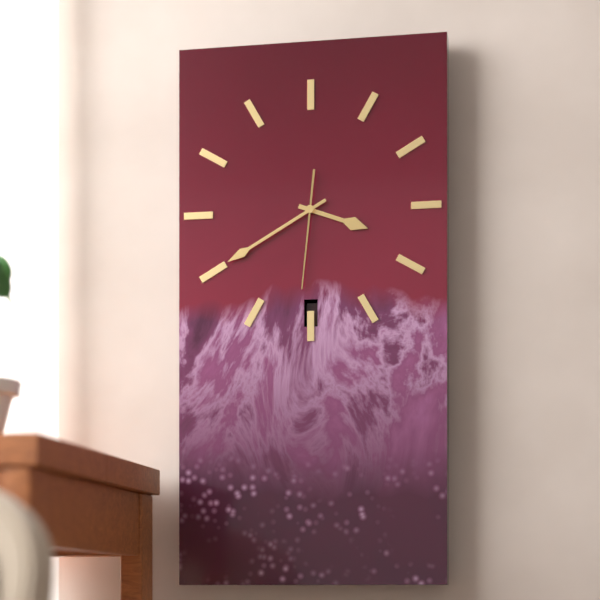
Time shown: **3:40:31**
